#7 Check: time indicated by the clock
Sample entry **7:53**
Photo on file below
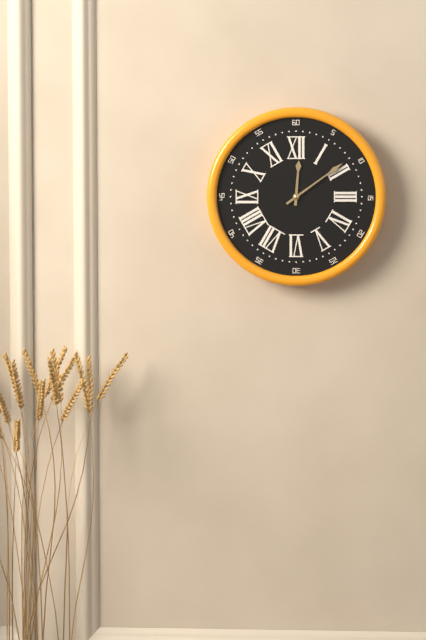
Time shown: **12:09**
